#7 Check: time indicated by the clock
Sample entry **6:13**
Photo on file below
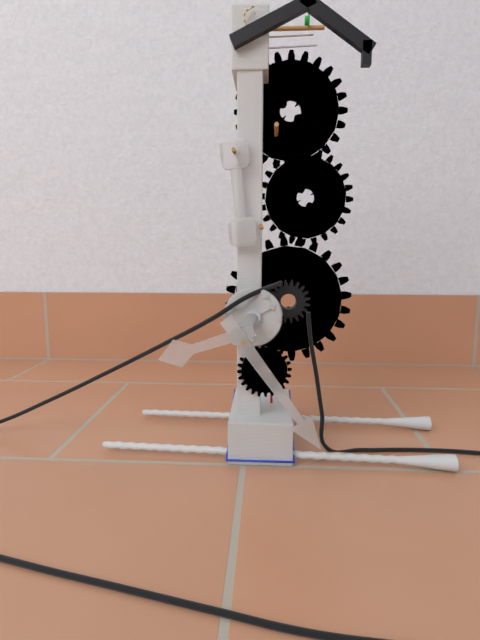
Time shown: **8:24**
